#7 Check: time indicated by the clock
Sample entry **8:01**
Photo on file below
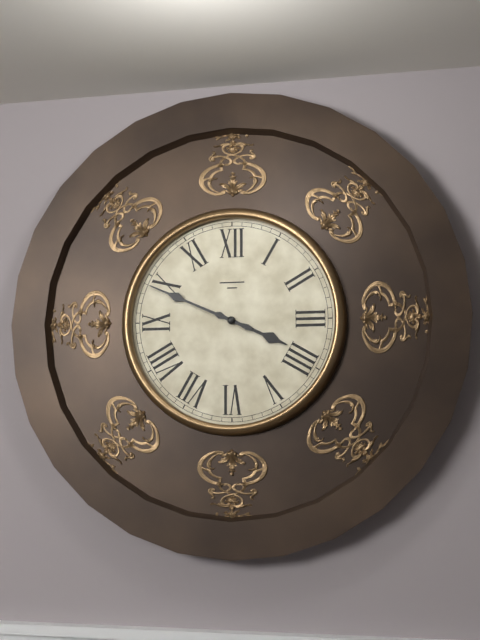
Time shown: **3:49**
